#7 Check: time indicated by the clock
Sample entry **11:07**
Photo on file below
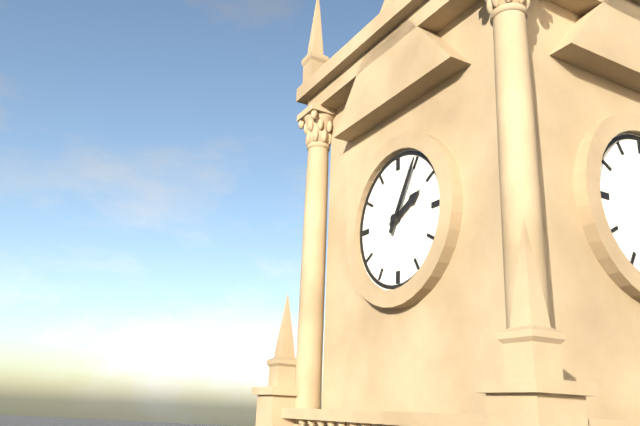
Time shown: **2:05**
